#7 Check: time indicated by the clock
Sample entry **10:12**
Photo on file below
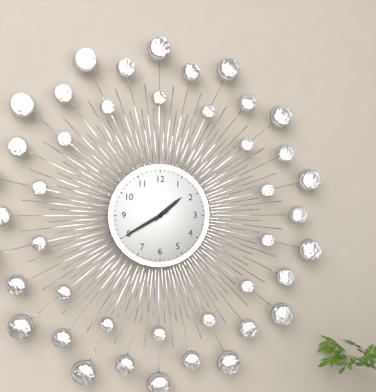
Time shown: **1:40**
